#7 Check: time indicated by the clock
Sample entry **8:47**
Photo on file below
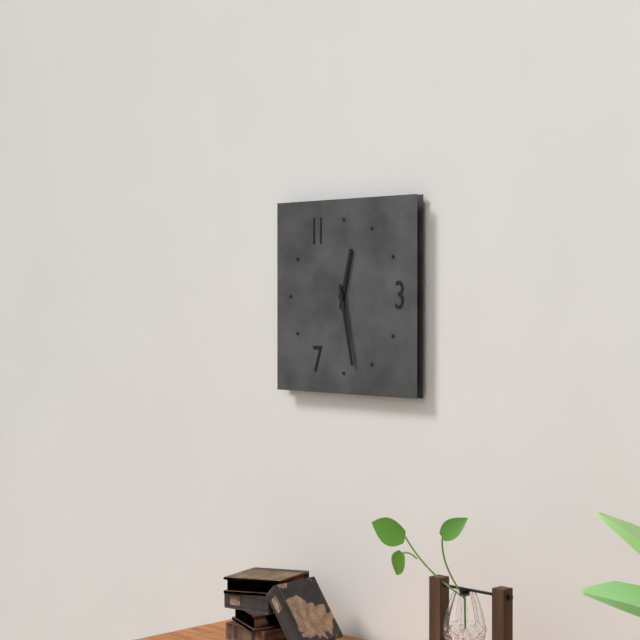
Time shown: **12:28**
